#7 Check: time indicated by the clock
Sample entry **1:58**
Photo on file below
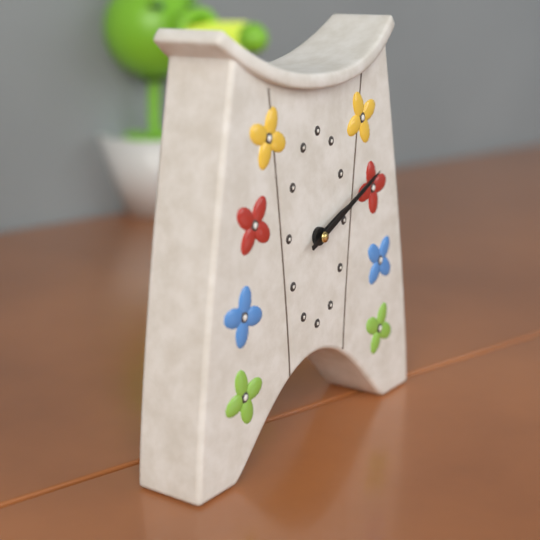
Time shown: **2:11**
